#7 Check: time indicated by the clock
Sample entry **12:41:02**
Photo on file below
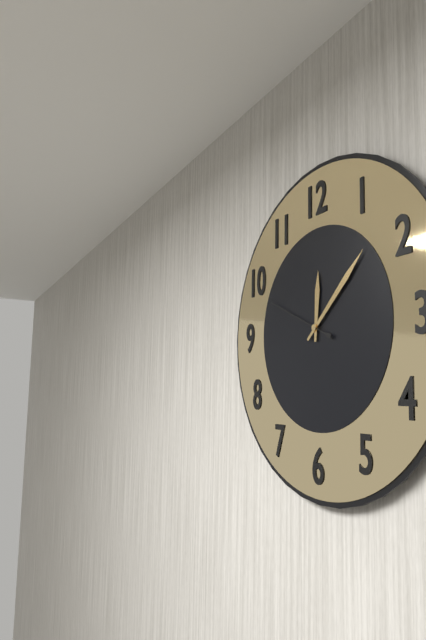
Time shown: **12:08:49**
